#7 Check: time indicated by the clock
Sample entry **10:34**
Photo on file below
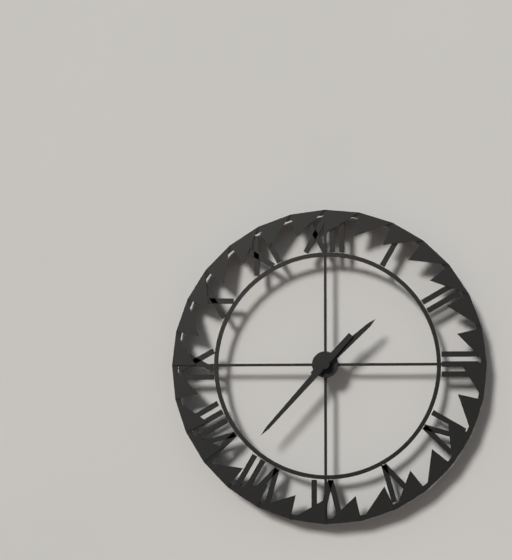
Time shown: **1:37**
